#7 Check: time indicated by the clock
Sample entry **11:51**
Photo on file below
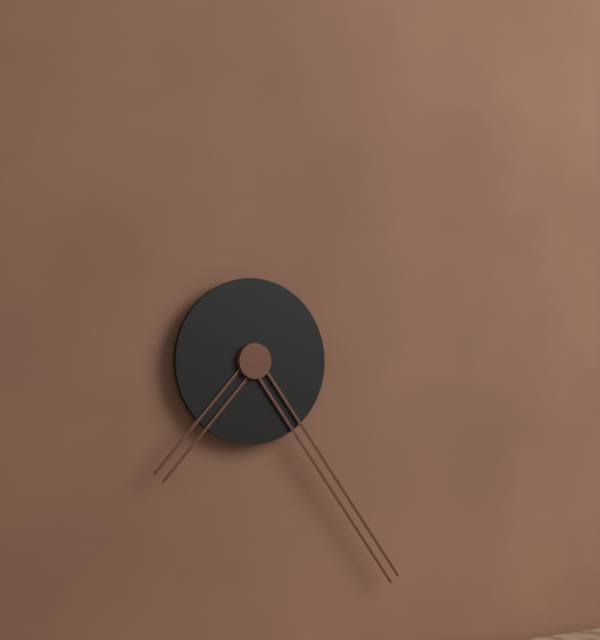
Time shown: **7:24**
